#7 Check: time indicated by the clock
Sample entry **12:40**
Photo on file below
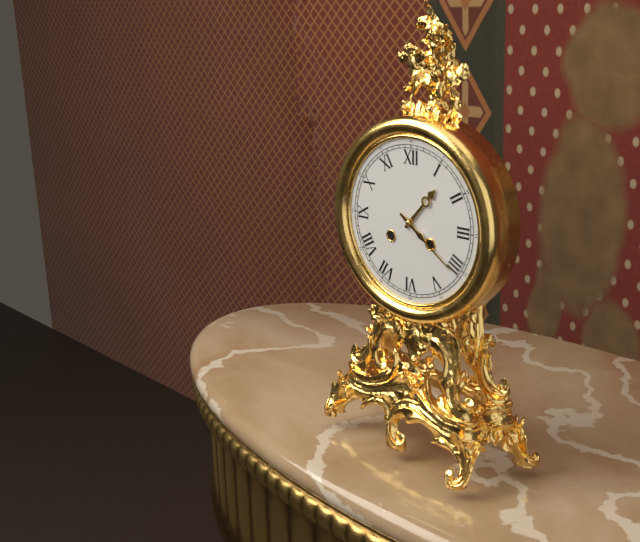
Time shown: **1:21**
